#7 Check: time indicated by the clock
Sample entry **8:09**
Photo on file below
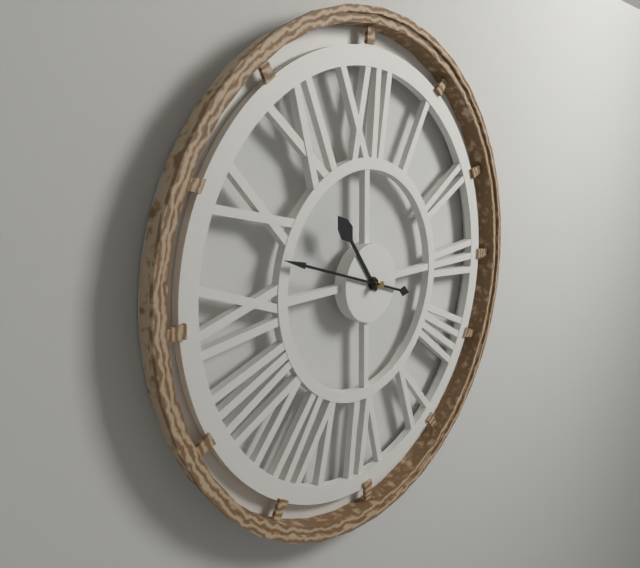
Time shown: **10:48**
